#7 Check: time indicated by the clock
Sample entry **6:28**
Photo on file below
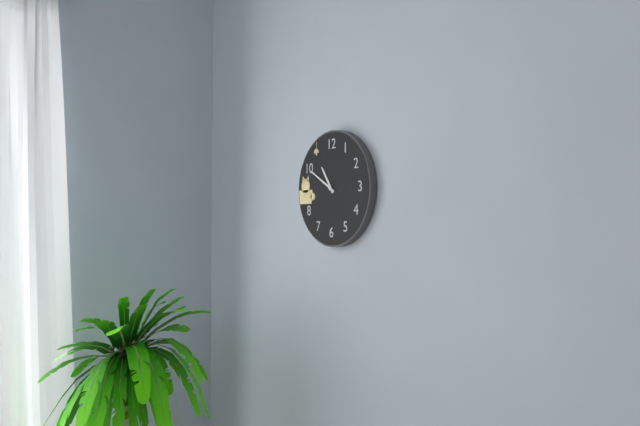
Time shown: **10:50**
